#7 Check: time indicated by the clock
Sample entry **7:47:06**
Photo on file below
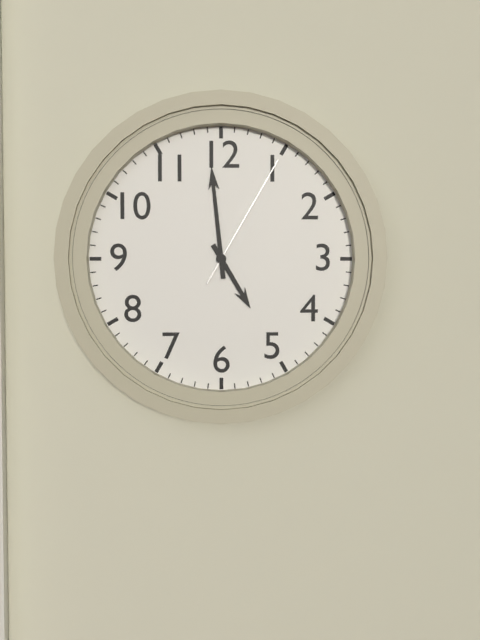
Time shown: **4:59:05**
